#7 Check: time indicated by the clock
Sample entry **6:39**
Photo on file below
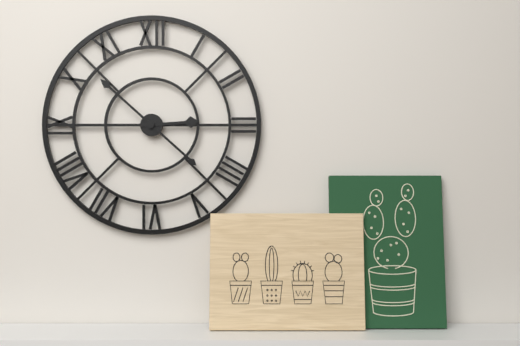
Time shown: **2:52**
